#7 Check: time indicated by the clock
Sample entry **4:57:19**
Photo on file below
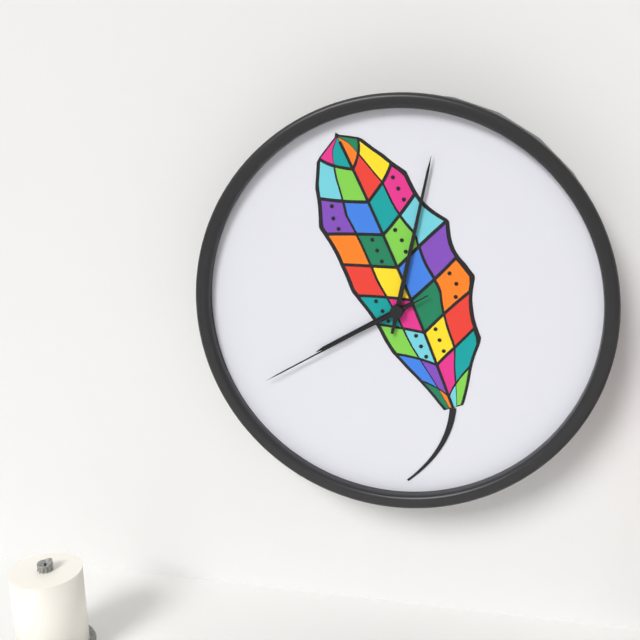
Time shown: **8:02:40**
